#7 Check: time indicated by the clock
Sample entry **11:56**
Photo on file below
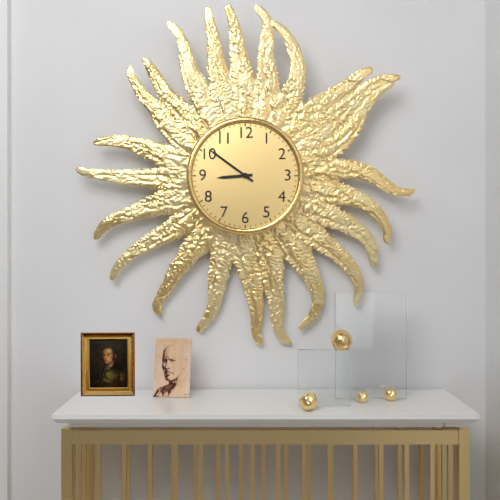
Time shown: **8:51**
